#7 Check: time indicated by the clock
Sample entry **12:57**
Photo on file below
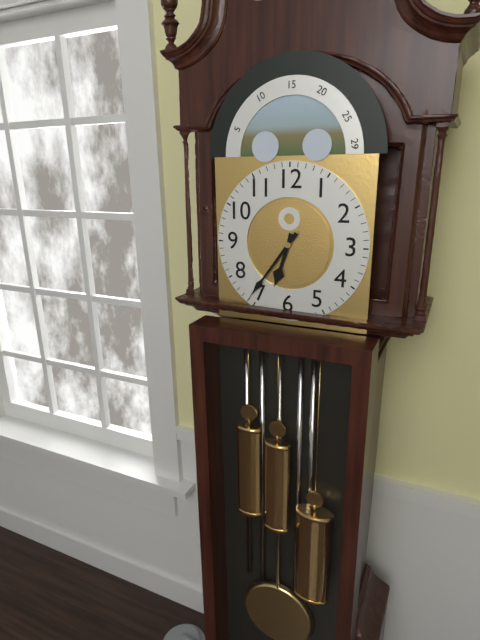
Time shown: **6:36**
